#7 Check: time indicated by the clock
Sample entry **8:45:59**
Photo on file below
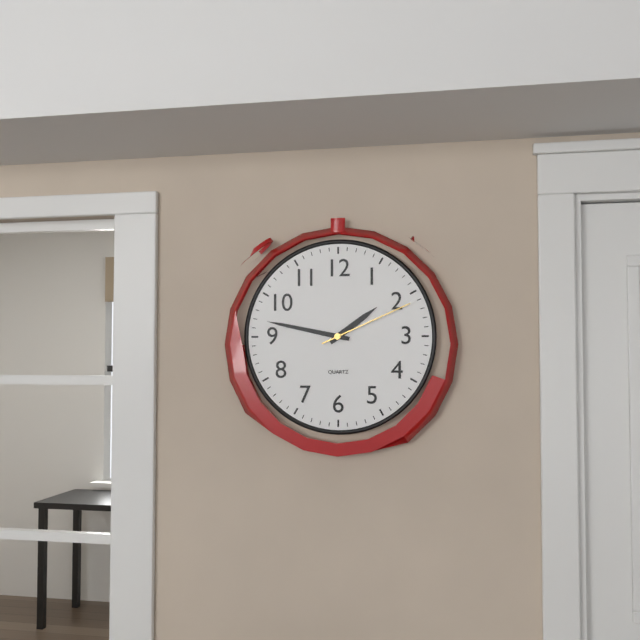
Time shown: **1:47:11**
